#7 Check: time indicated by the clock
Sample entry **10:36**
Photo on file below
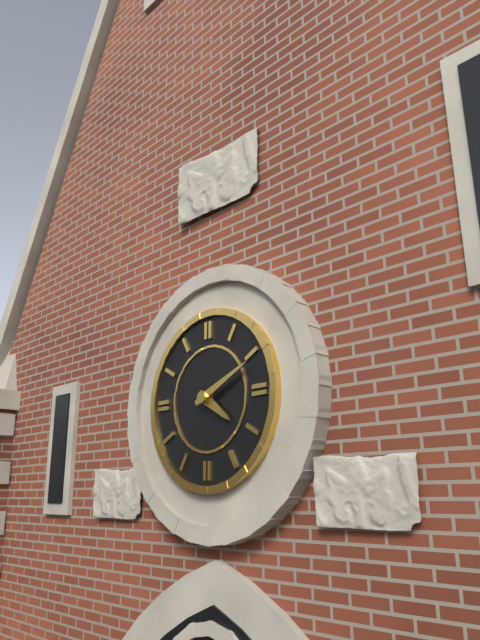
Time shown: **4:11**
